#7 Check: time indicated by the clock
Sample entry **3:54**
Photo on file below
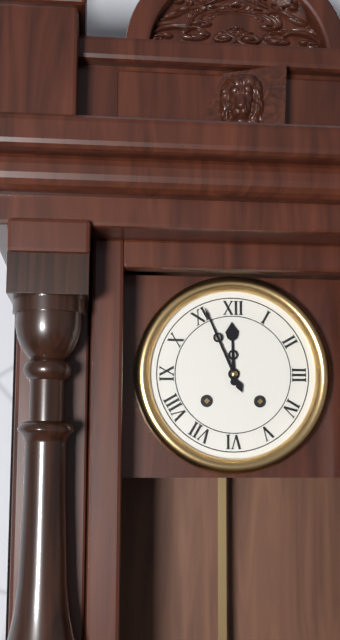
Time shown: **11:56**
